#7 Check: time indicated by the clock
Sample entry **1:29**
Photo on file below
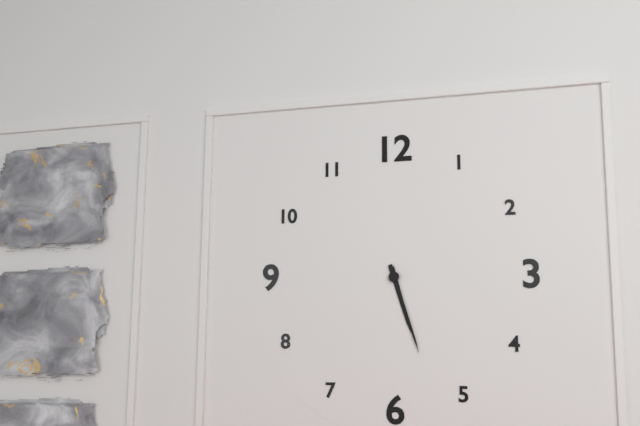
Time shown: **5:27**
